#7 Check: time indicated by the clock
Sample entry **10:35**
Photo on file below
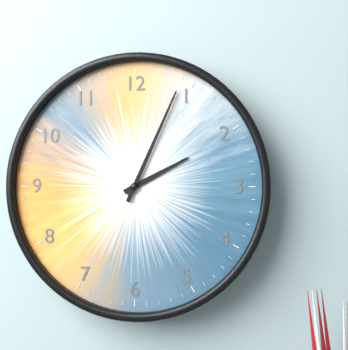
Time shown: **2:04**
